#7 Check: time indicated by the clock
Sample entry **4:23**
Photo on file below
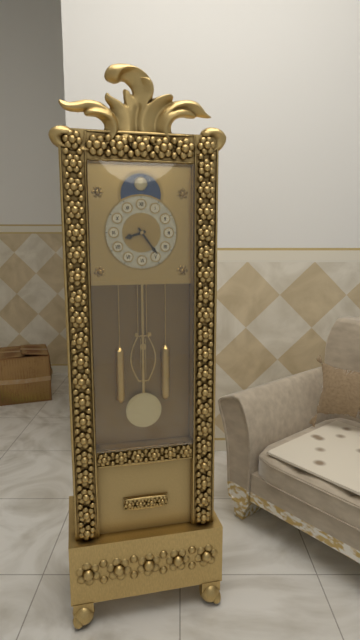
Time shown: **8:24**
